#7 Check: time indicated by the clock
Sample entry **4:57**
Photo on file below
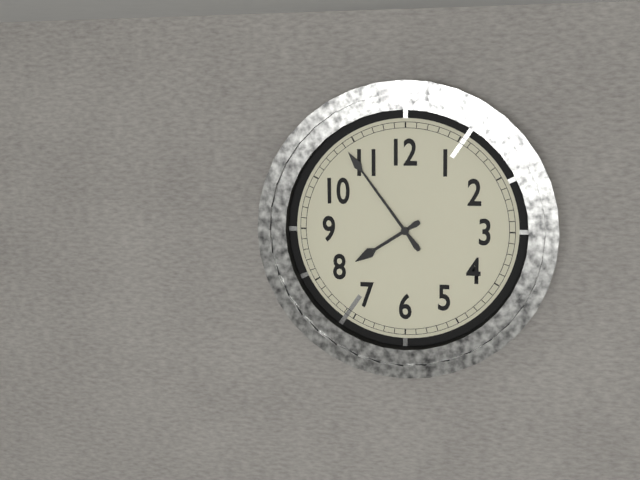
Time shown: **7:54**
